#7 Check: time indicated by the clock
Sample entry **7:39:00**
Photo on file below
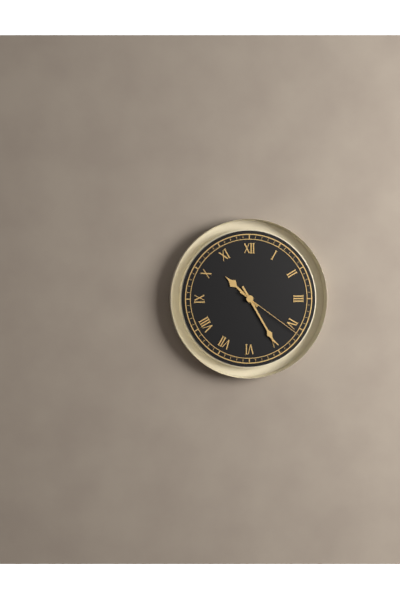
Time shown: **10:25:21**
